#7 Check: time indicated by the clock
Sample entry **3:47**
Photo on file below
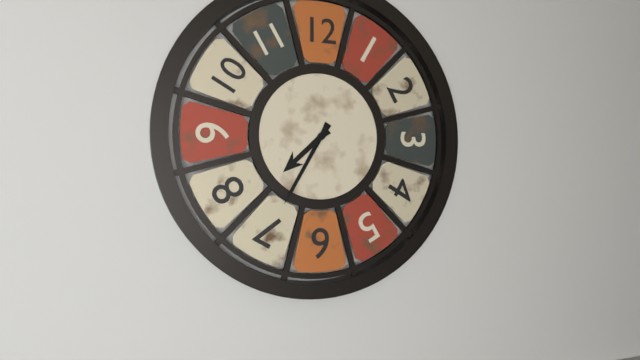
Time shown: **7:35**
